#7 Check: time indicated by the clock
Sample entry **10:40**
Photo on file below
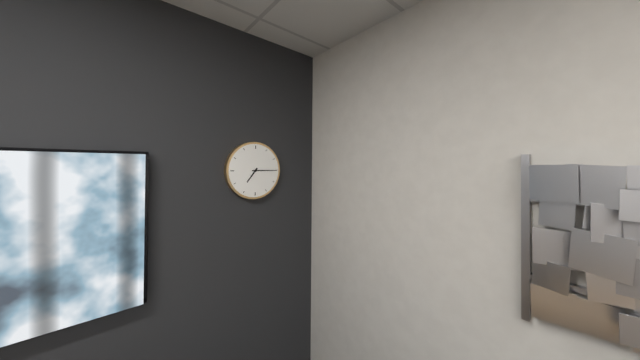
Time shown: **7:15**
